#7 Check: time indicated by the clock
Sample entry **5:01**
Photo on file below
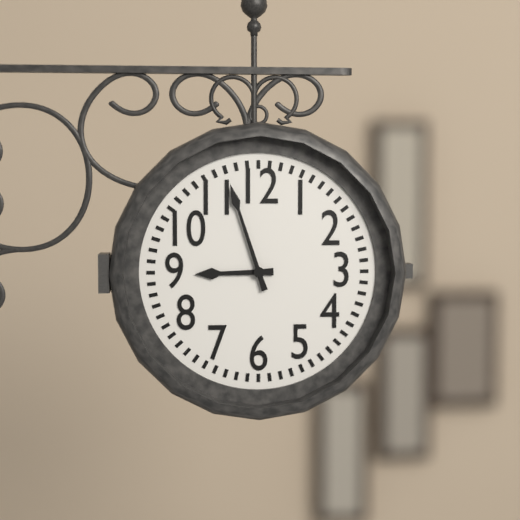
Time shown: **8:57**
